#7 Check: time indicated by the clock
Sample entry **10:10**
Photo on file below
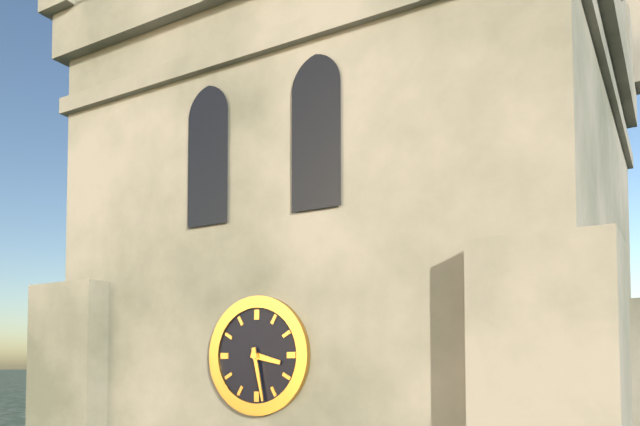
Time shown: **3:28**
